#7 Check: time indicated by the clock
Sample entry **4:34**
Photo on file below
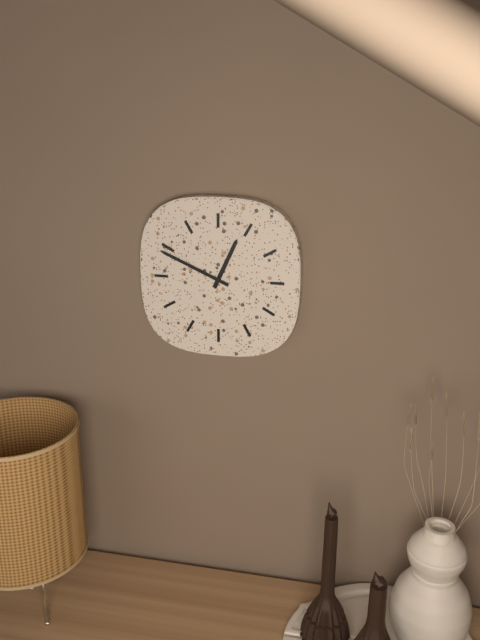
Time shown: **12:49**
